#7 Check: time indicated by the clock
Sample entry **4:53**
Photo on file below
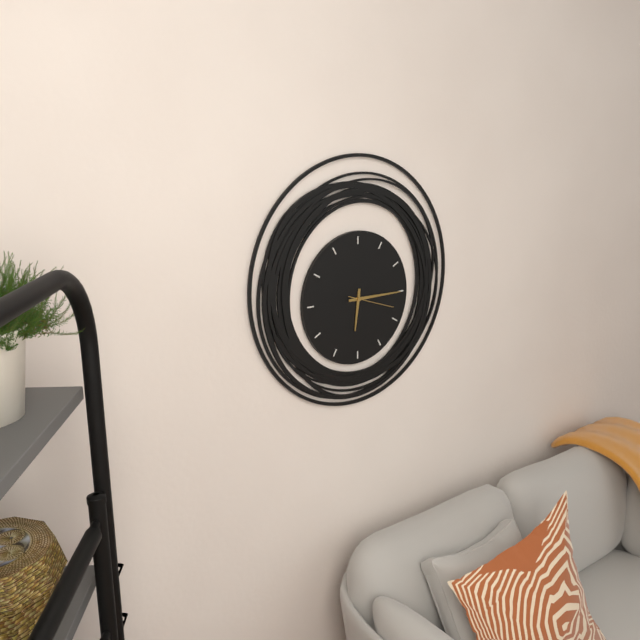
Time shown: **6:15**
